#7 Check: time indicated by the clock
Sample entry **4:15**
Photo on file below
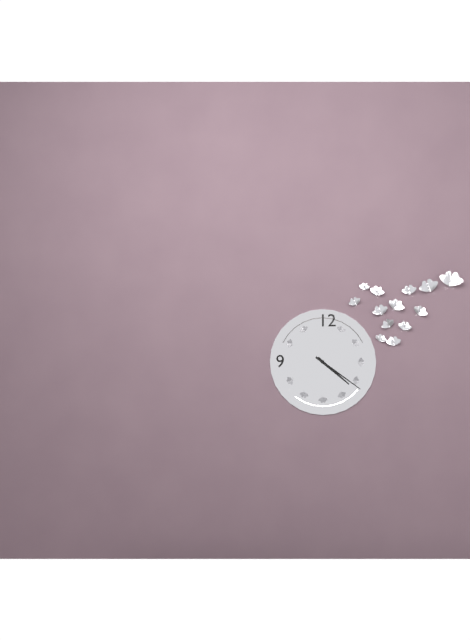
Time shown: **4:21**
